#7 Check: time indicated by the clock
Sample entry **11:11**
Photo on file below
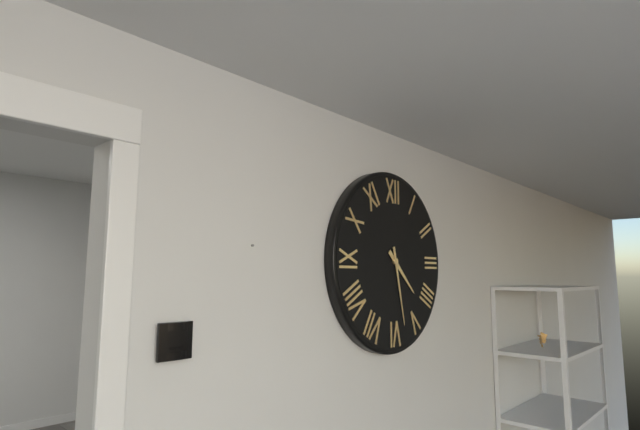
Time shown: **4:28**
